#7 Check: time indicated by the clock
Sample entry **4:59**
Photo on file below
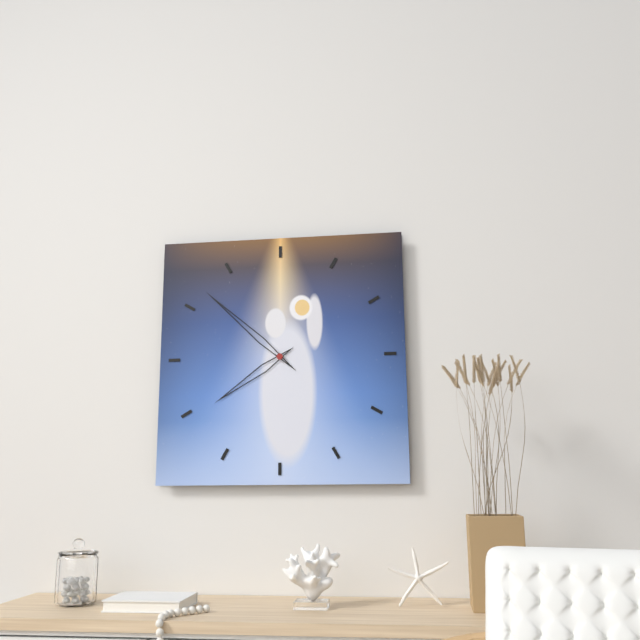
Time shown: **7:52**
